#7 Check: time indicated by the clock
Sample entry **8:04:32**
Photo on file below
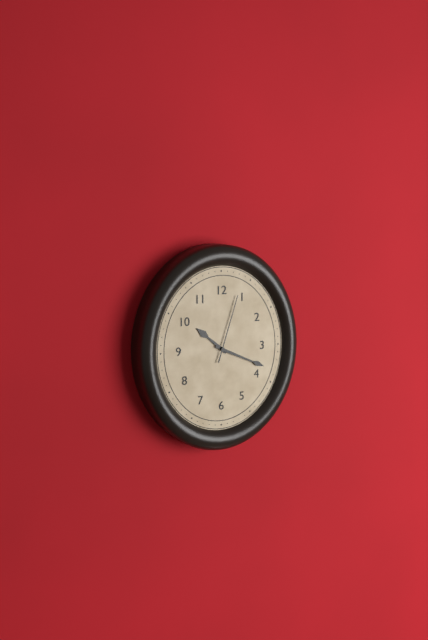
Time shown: **10:19:03**
